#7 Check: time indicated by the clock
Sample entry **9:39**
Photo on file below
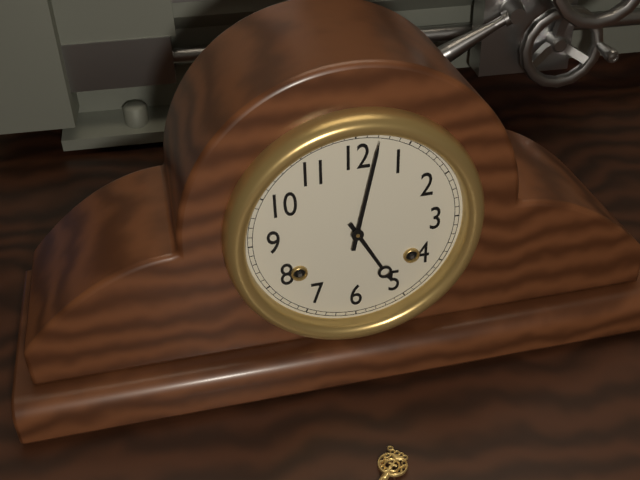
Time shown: **5:02**
